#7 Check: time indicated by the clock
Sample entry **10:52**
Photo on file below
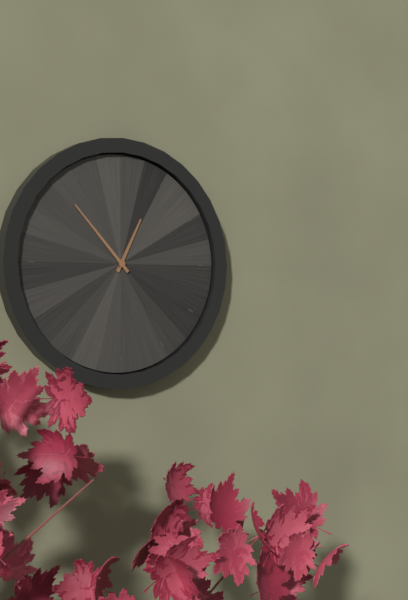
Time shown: **12:53**
